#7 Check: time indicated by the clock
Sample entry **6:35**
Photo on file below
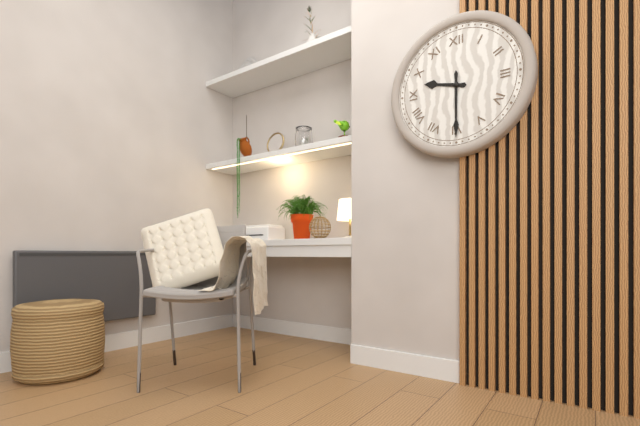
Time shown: **9:30**
